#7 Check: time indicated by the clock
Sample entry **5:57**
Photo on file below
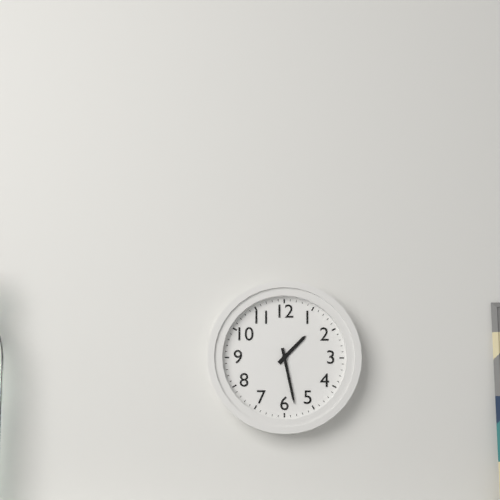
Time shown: **1:28**
